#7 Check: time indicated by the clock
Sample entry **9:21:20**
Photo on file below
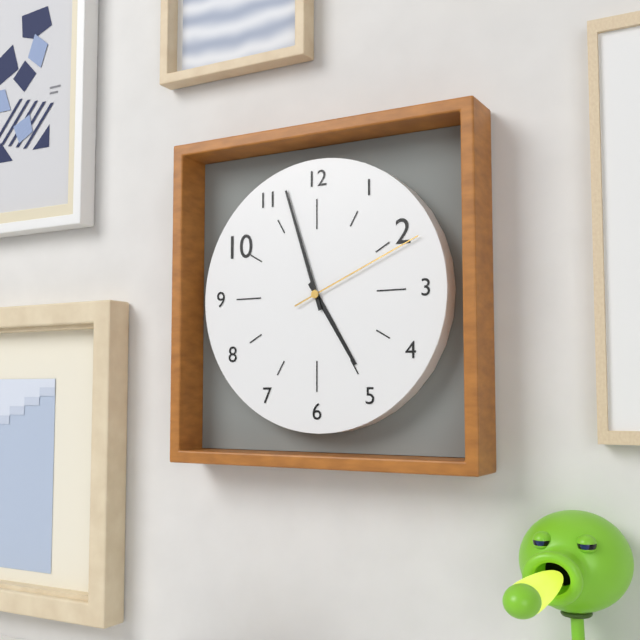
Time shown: **4:57:11**
